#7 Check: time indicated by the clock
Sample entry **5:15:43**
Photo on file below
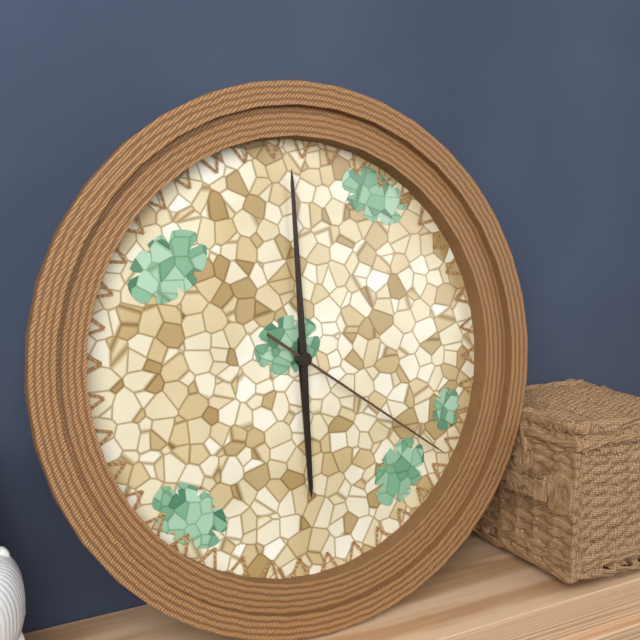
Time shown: **6:00:21**
